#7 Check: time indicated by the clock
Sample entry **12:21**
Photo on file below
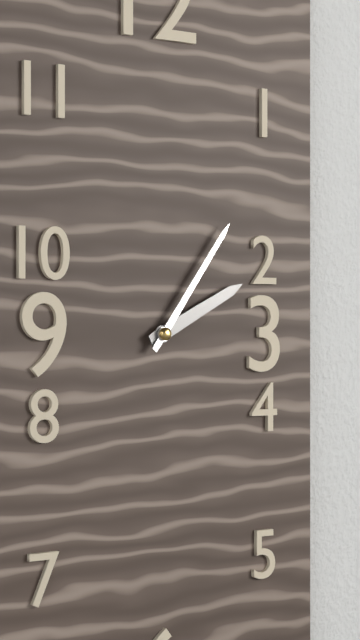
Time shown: **2:06**
